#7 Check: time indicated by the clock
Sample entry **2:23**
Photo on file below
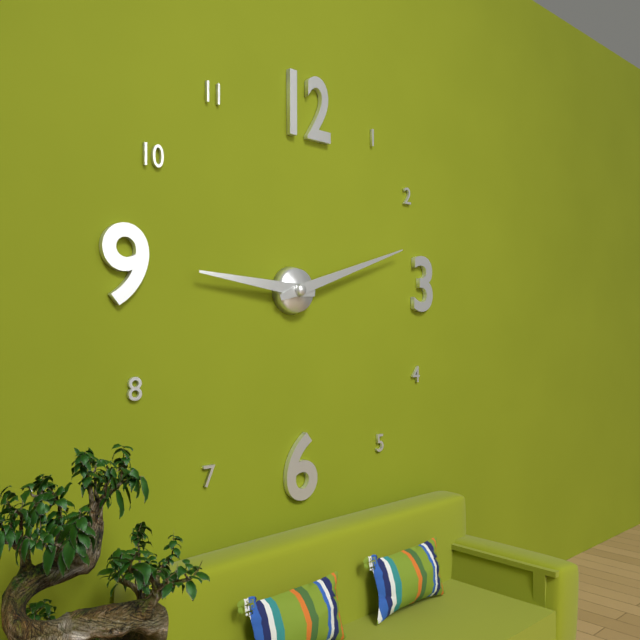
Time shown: **9:12**
